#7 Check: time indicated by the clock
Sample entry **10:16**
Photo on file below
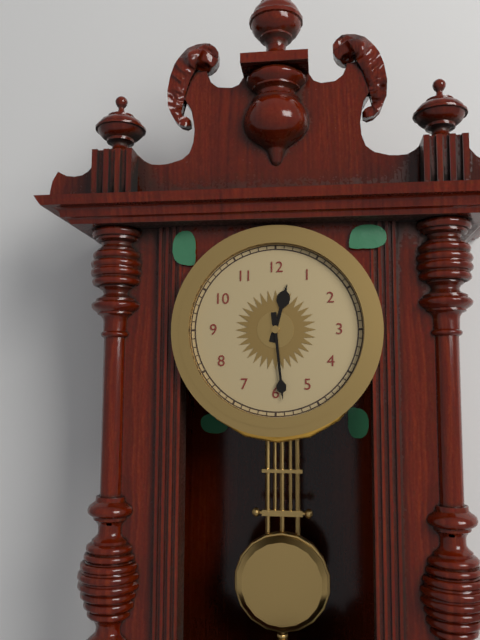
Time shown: **12:29**
